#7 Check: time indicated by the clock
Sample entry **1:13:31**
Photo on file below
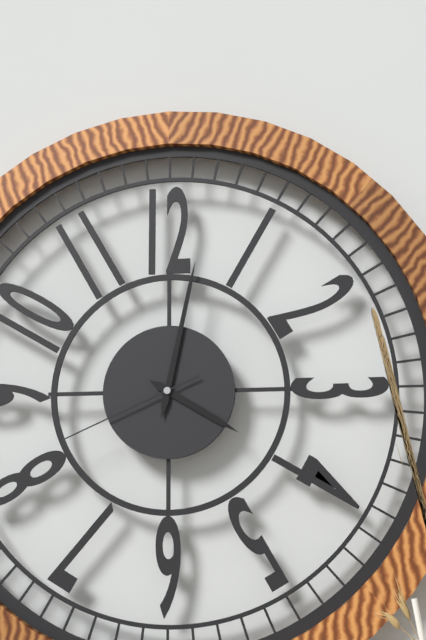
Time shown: **4:02:41**
